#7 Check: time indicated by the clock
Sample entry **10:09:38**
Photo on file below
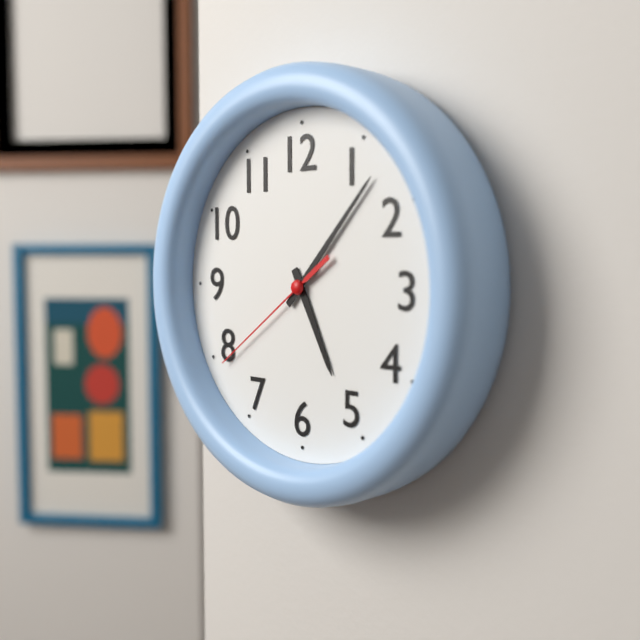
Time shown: **5:07:39**
